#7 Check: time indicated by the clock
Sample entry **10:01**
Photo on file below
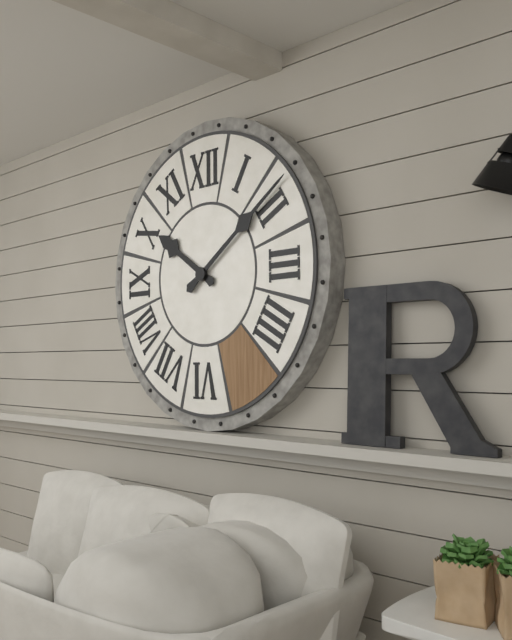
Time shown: **10:09**
